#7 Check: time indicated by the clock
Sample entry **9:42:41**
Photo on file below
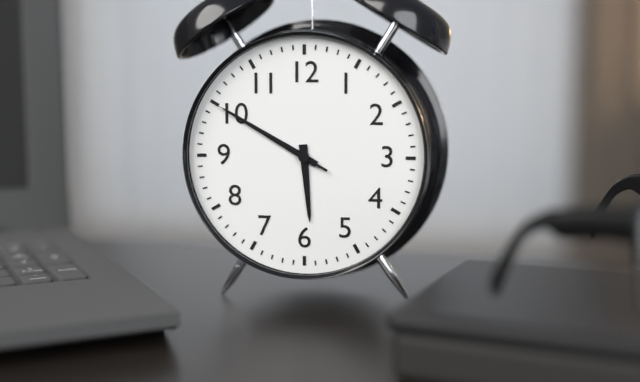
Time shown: **5:50:50**
